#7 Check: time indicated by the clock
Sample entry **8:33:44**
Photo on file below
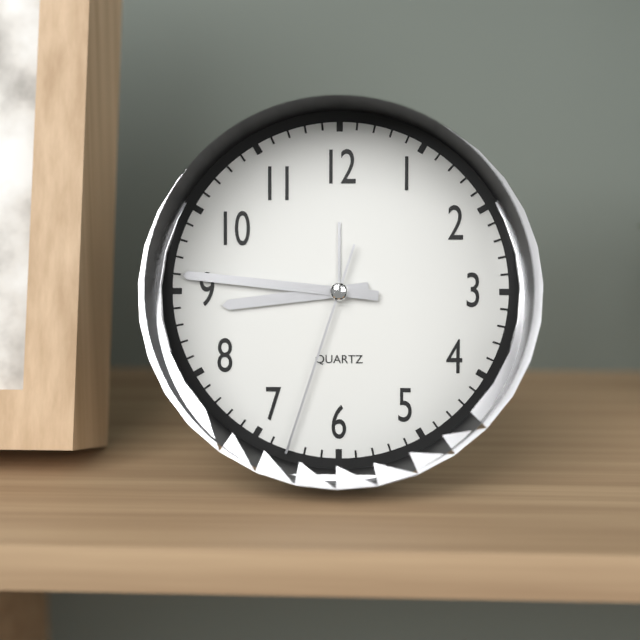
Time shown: **8:46:33**
